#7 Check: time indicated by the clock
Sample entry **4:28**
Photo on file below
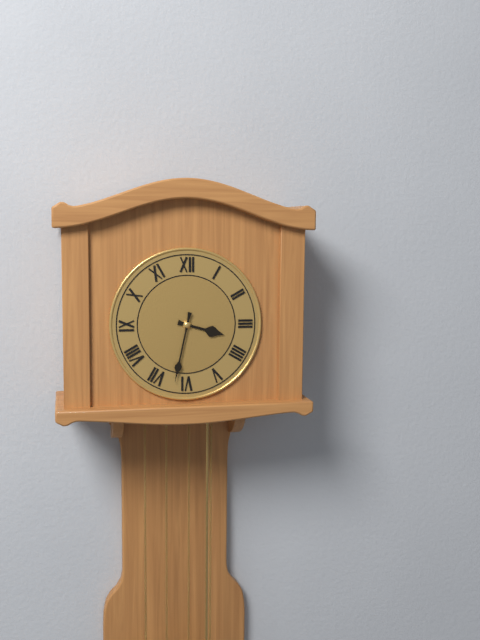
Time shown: **3:32**
